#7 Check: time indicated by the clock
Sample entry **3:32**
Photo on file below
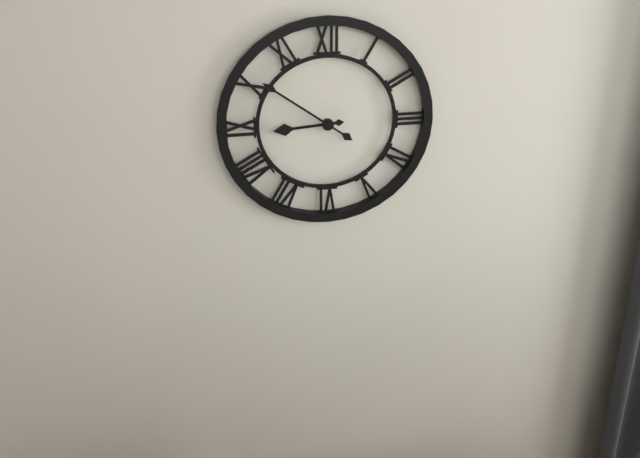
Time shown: **8:51**
